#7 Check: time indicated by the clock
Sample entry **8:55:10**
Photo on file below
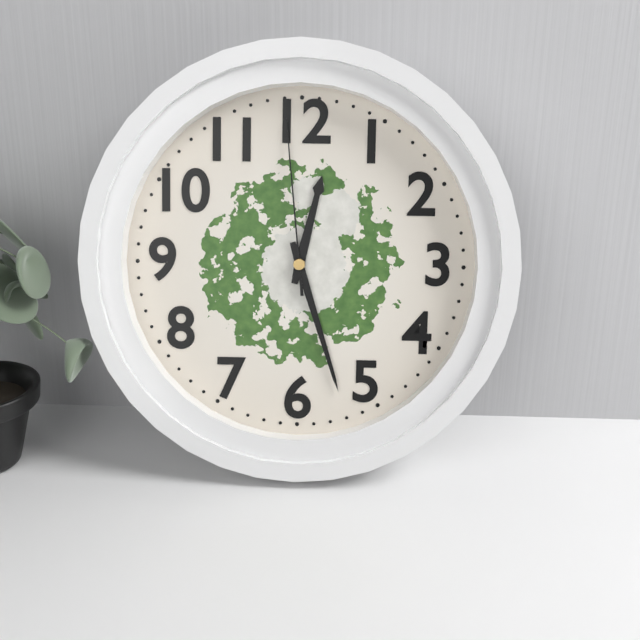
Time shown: **12:27:59**
